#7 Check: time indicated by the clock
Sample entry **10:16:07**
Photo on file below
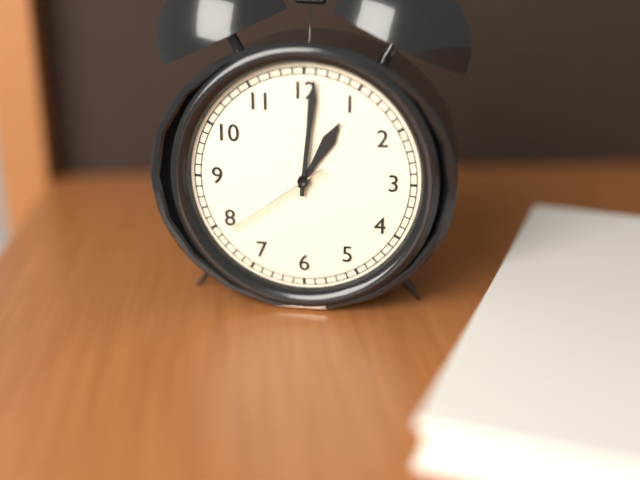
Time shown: **1:01:39**
